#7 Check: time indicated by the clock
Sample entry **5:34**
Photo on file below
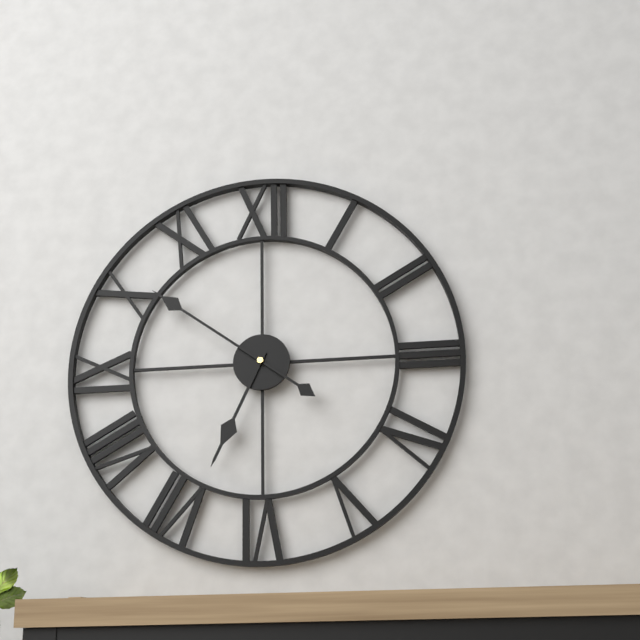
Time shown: **6:51**
